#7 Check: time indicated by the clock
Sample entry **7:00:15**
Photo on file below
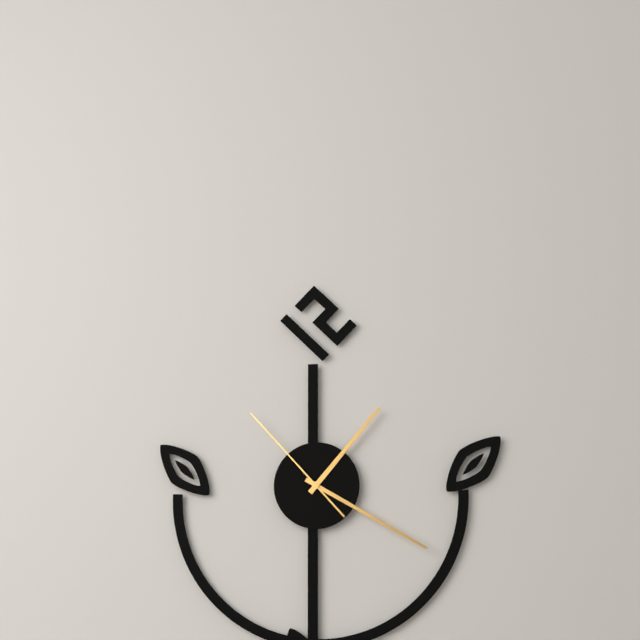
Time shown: **1:20:53**
